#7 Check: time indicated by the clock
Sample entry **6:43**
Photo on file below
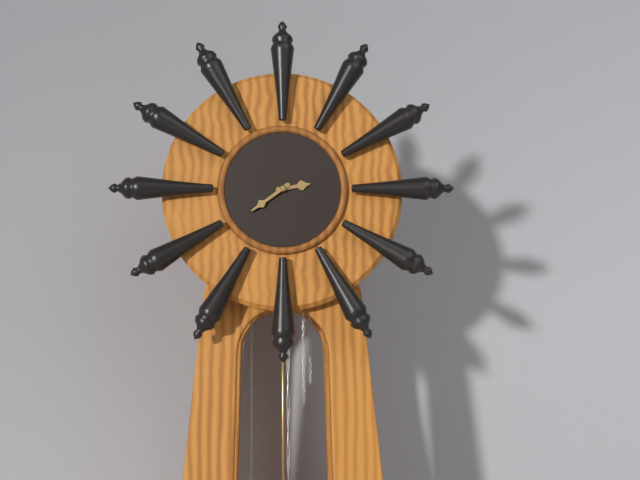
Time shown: **2:39**
